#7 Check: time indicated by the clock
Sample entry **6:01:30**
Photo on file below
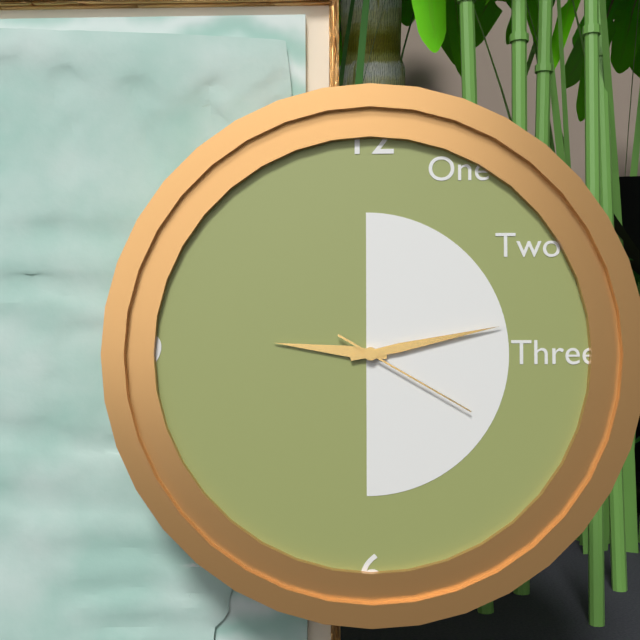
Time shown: **9:13:20**
